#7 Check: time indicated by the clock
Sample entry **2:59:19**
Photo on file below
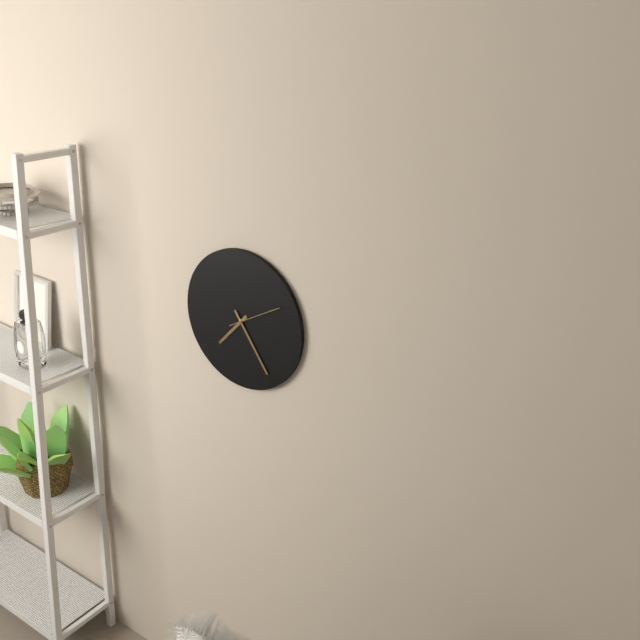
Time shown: **7:24:10**
